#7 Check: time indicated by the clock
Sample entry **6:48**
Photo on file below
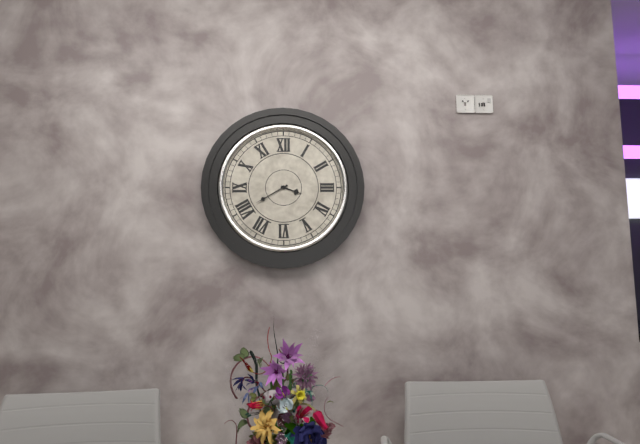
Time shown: **3:40**
